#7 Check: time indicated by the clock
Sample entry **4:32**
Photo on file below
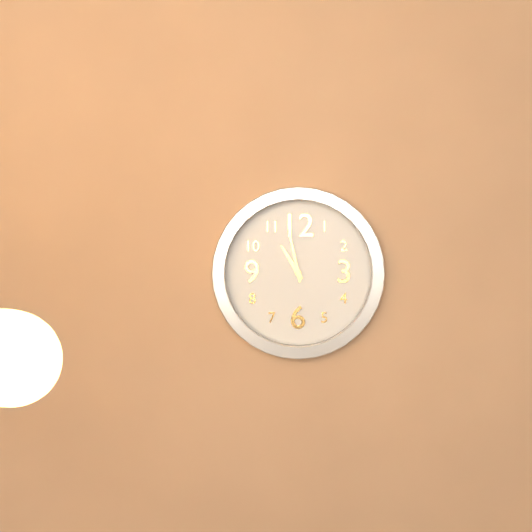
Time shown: **10:58**
